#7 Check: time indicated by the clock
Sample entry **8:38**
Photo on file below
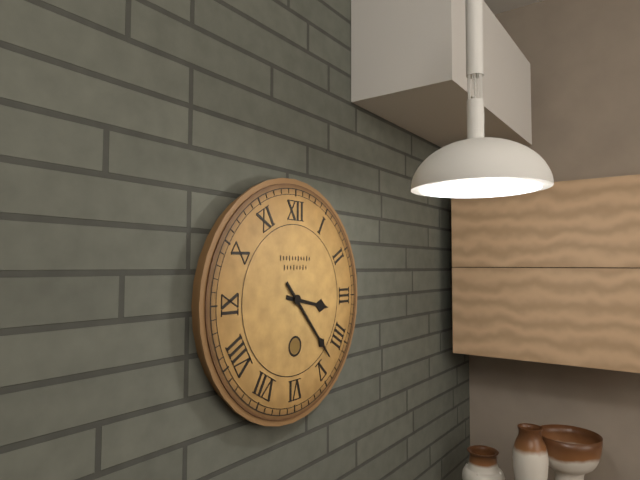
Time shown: **3:23**
